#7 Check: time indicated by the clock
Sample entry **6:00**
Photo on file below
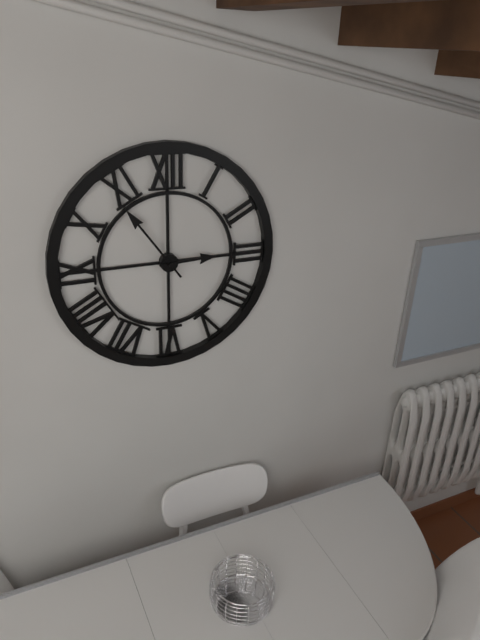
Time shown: **2:54**
